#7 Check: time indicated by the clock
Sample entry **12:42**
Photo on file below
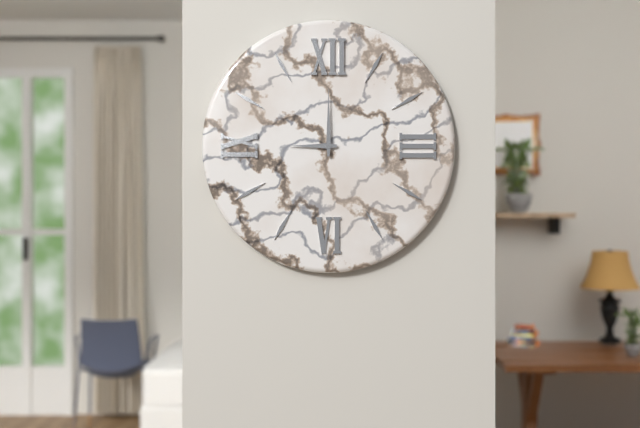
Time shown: **9:00**
